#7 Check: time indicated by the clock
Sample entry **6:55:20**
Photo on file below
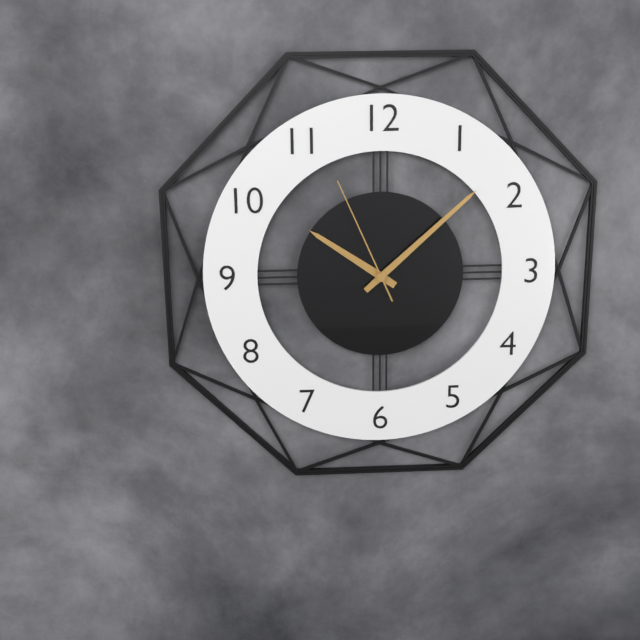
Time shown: **10:08:56**
